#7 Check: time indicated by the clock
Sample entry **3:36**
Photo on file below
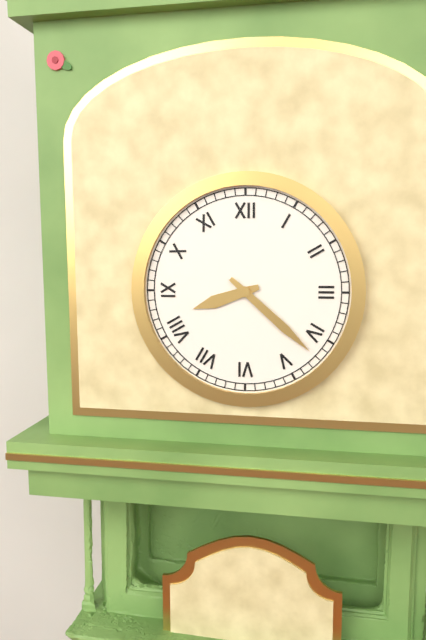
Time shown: **8:22**
